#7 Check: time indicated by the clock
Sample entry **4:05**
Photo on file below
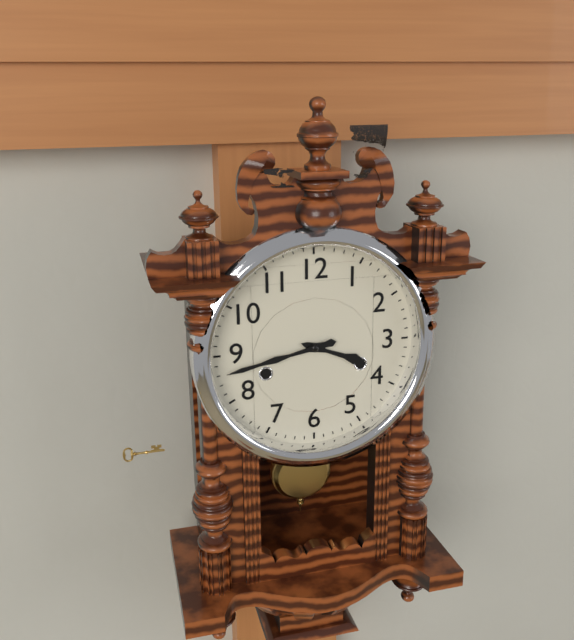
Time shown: **3:43**
